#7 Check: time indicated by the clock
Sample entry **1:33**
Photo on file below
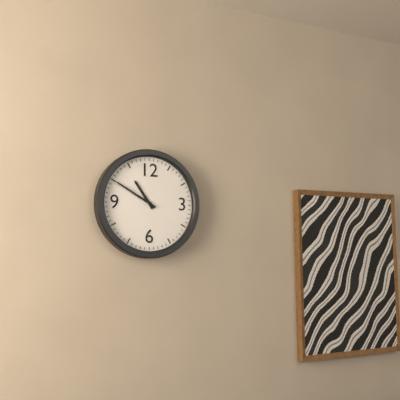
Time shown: **10:50**
